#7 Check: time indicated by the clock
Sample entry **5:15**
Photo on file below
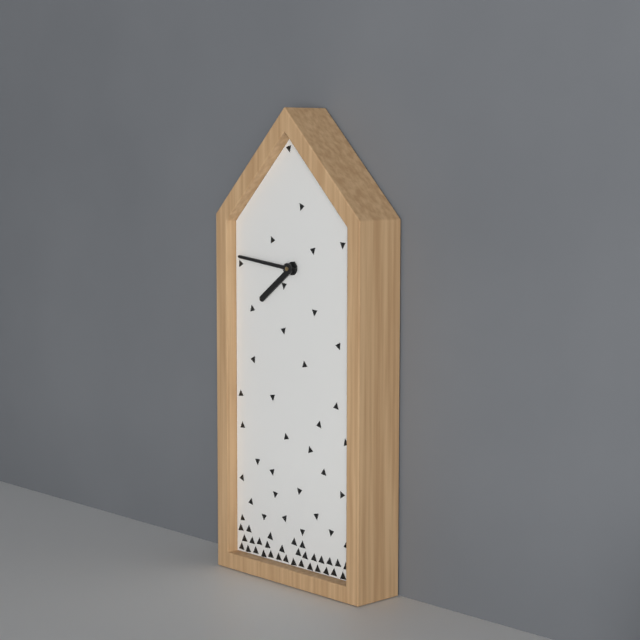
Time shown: **7:46**
